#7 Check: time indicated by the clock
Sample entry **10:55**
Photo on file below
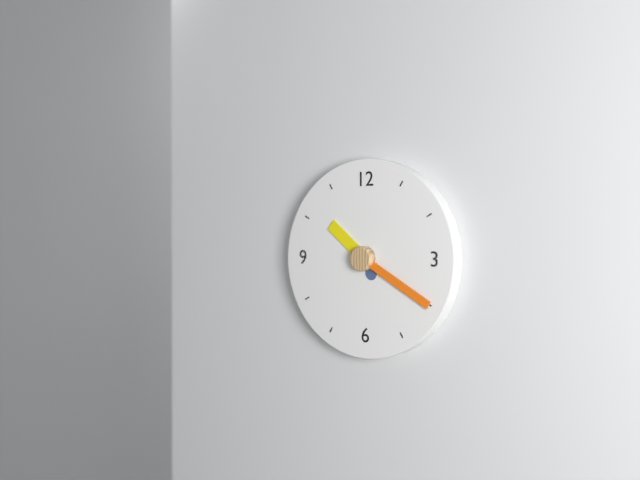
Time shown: **10:20**
